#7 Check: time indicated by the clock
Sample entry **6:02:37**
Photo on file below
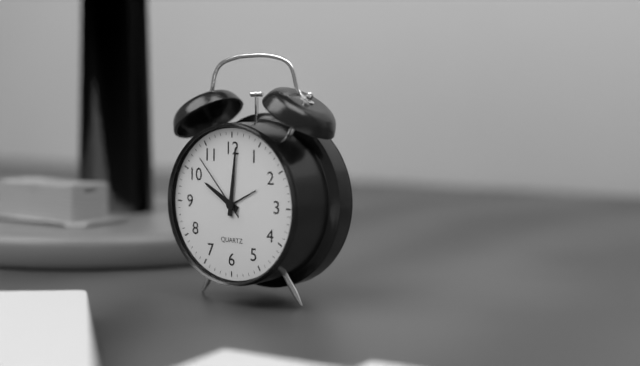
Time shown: **10:01:53**
